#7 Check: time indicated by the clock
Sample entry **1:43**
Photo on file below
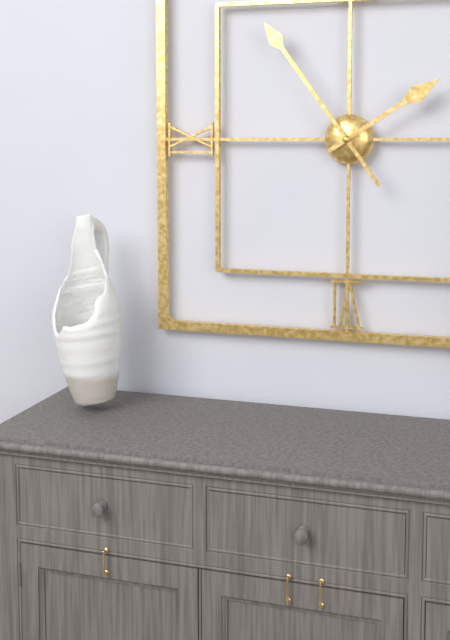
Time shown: **1:54**
